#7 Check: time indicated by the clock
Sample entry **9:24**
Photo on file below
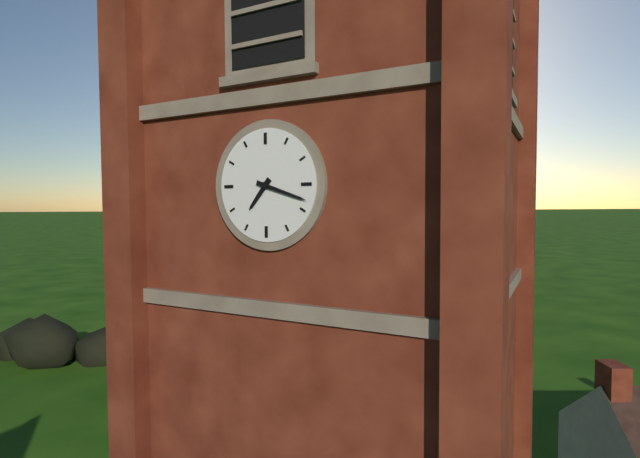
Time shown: **7:18**
